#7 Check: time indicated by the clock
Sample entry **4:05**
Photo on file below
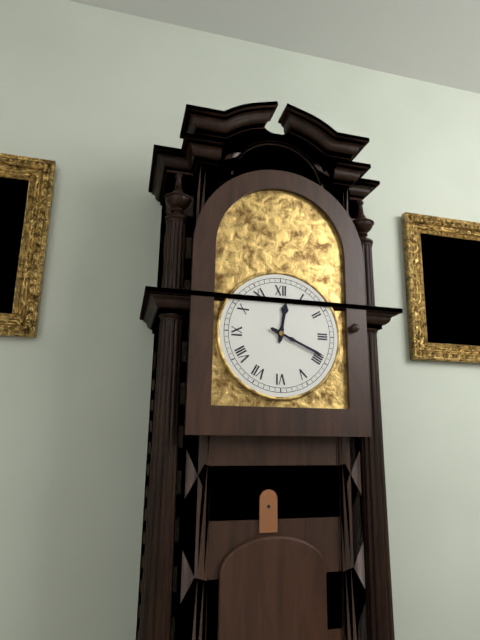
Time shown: **12:19**
